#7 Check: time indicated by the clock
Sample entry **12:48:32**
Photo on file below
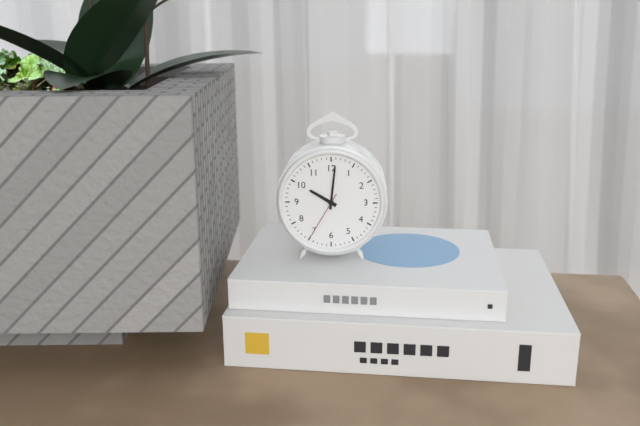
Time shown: **10:01:35**
